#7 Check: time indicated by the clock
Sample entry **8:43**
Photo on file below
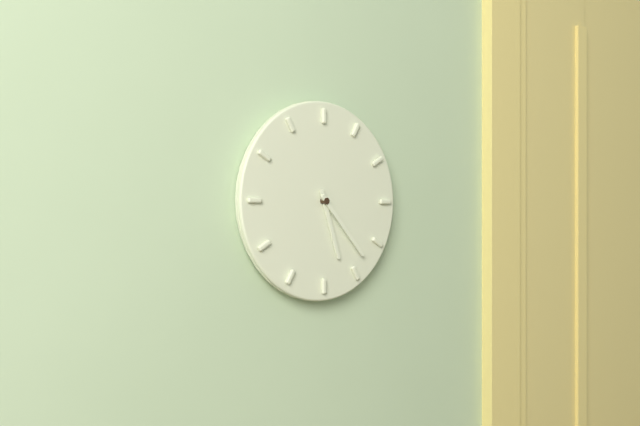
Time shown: **5:23**
